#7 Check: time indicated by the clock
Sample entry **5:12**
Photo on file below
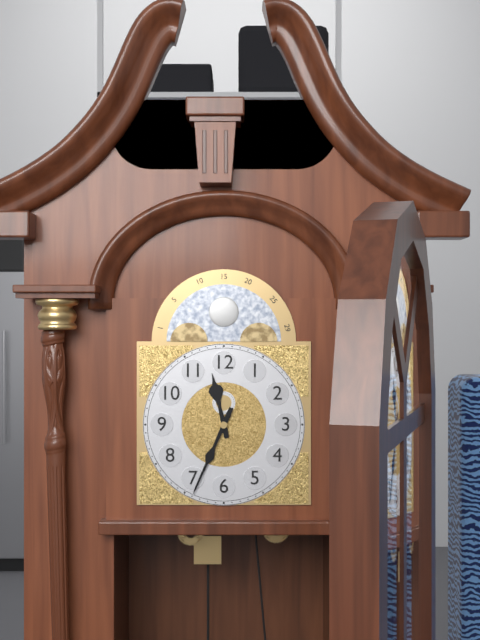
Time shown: **11:34**
